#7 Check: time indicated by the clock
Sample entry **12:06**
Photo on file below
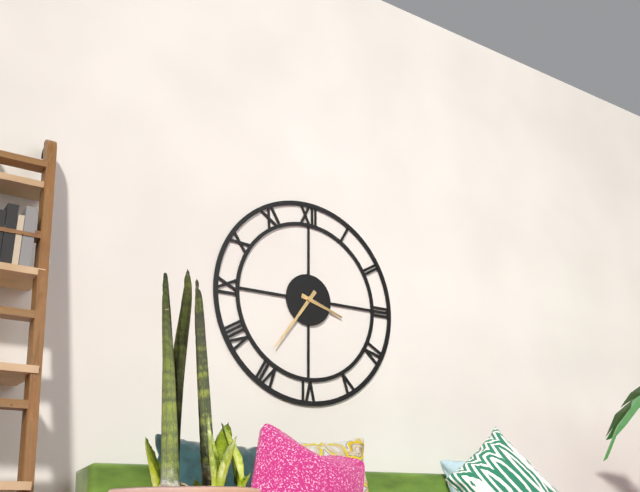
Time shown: **3:36**
